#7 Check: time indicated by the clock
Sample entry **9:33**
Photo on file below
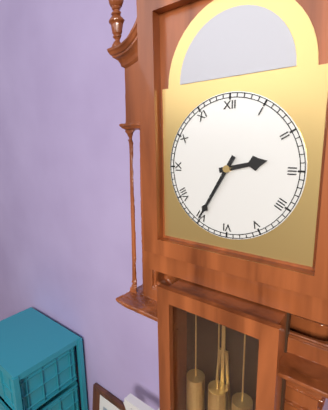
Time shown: **2:35**
